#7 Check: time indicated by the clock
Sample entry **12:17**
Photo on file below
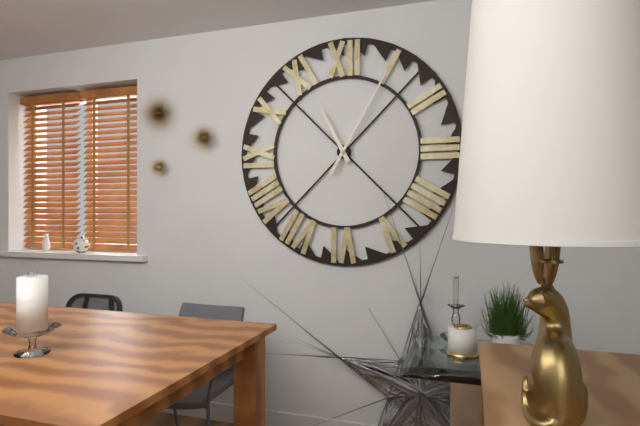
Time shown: **11:05**
